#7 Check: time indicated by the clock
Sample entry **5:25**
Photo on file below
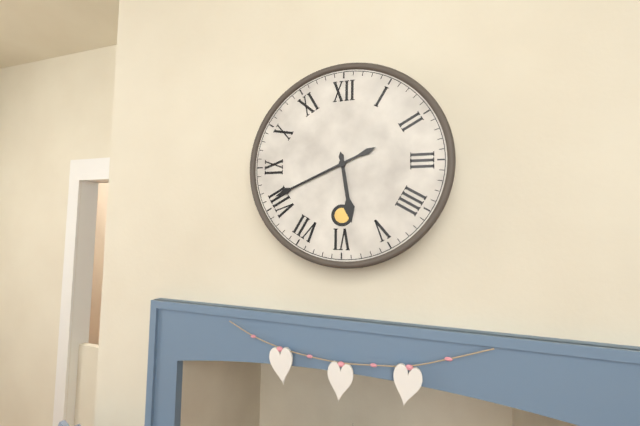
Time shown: **5:41**
